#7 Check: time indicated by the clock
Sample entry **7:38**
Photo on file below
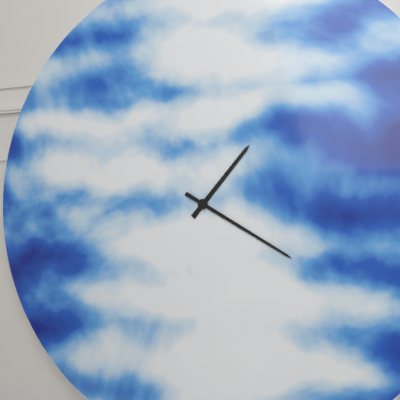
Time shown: **1:20**
